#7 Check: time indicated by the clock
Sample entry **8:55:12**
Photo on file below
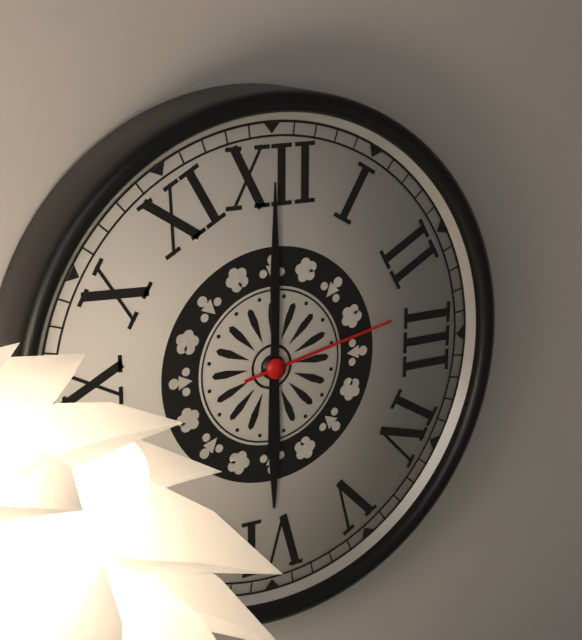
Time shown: **6:00:13**
